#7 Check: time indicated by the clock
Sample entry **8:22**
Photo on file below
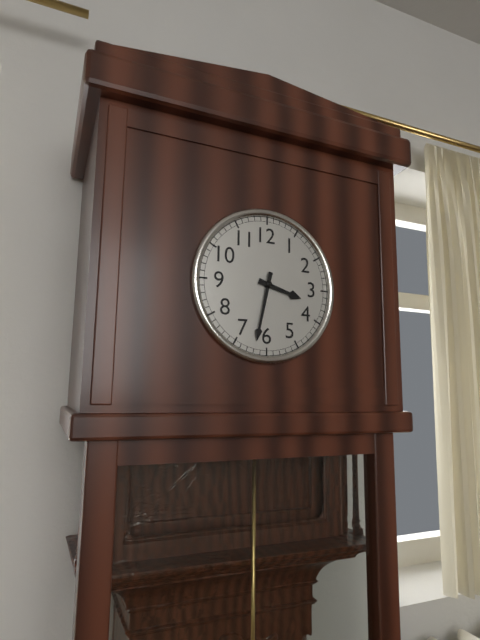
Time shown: **3:32**
